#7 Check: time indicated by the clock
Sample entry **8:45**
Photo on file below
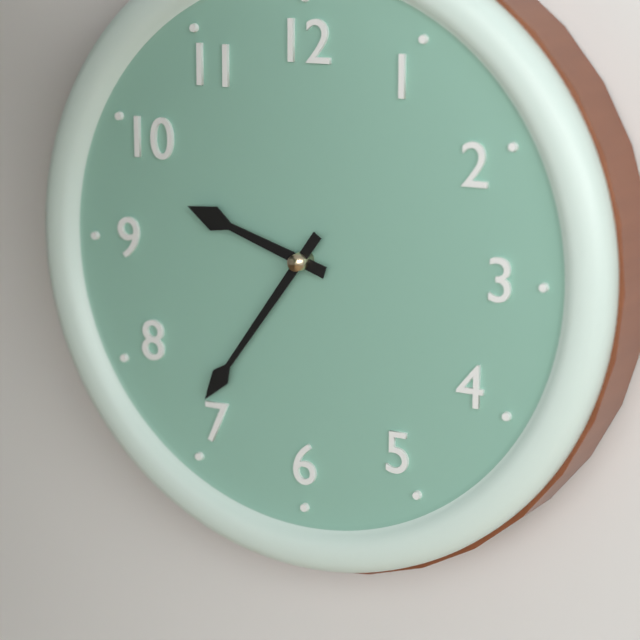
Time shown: **9:36**
